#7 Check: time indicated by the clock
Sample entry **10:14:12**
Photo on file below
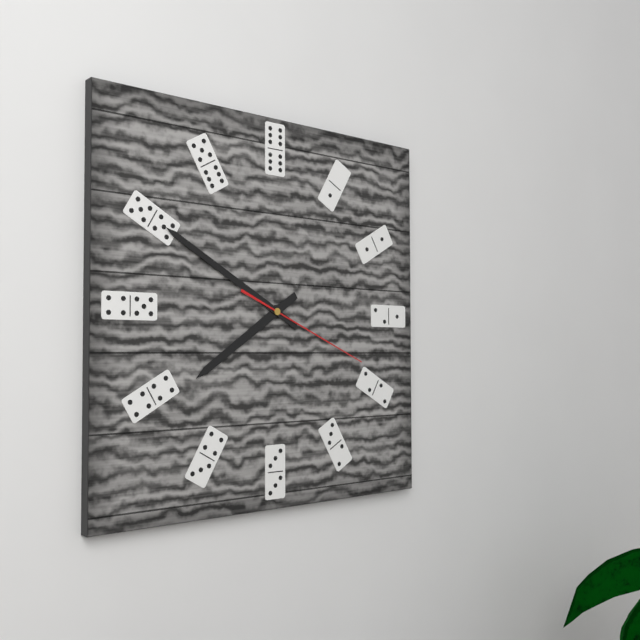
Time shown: **7:50:19**
